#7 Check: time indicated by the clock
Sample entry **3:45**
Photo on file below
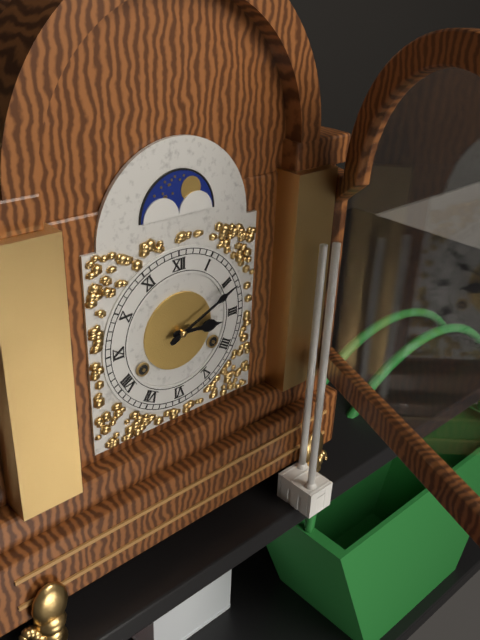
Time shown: **3:11**
